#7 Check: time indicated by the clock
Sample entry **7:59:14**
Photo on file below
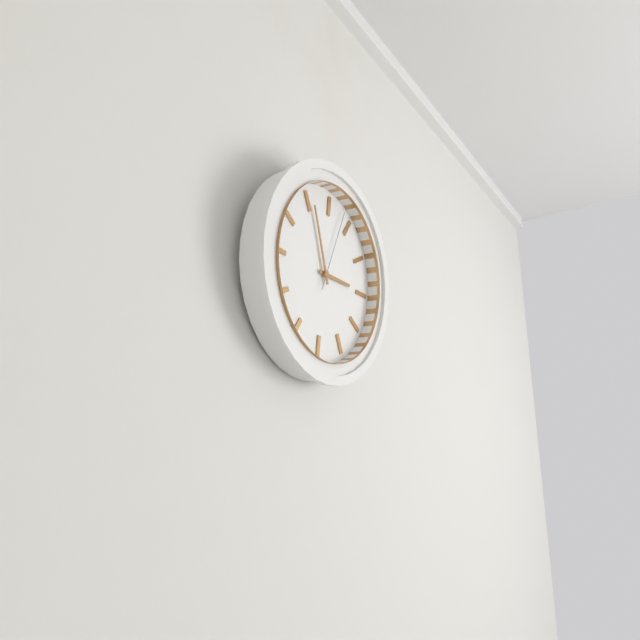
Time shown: **2:56:03**
